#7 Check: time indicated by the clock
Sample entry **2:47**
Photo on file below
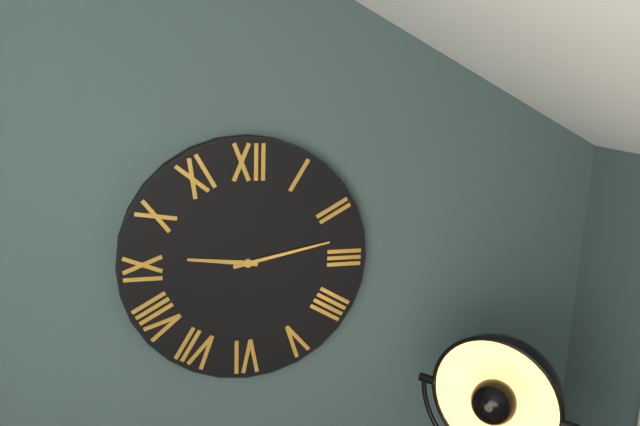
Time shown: **9:13**
